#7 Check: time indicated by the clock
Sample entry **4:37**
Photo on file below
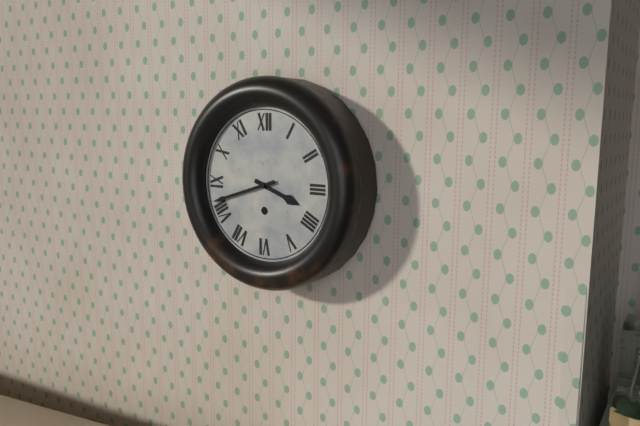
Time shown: **3:42**
